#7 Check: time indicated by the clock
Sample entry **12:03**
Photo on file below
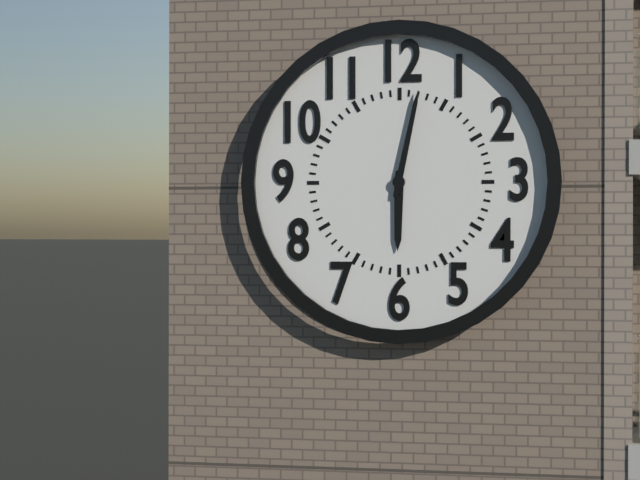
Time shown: **6:02**
